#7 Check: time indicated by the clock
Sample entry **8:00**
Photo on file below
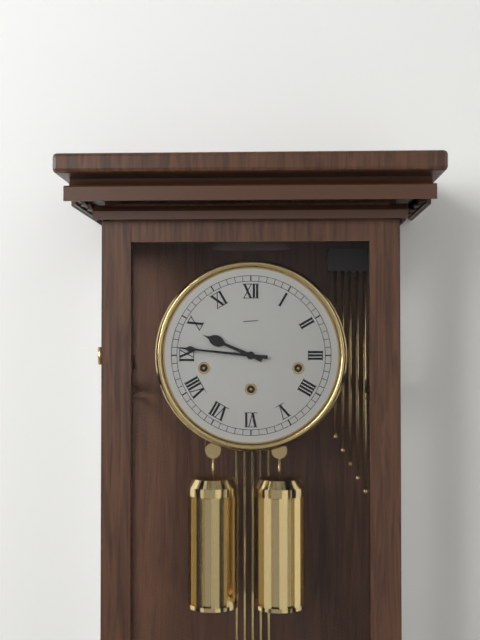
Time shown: **9:46**
